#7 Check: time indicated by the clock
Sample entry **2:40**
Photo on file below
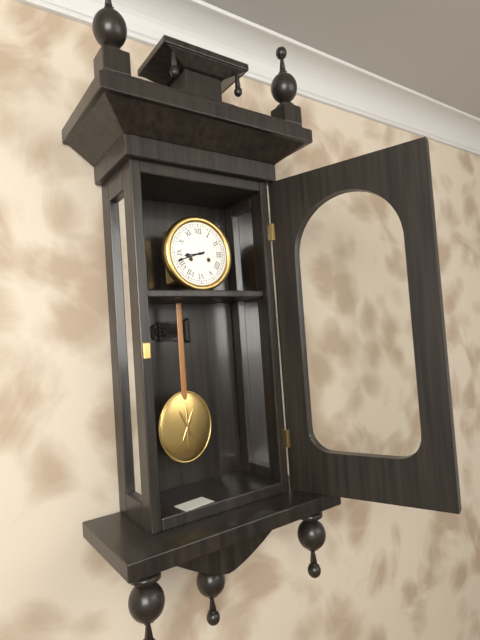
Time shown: **8:42**
